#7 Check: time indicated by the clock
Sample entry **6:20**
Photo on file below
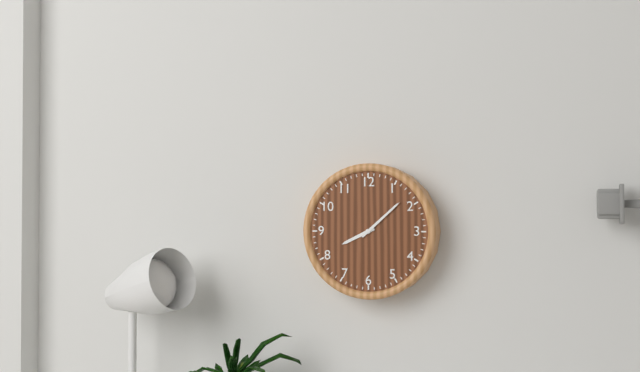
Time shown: **8:08**
